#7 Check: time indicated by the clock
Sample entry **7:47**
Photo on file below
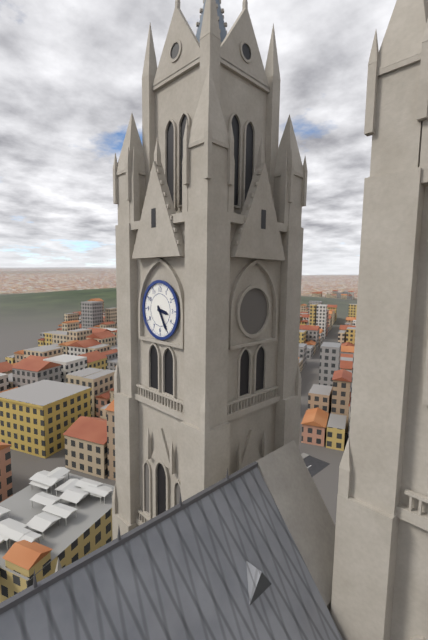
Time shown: **3:25**
